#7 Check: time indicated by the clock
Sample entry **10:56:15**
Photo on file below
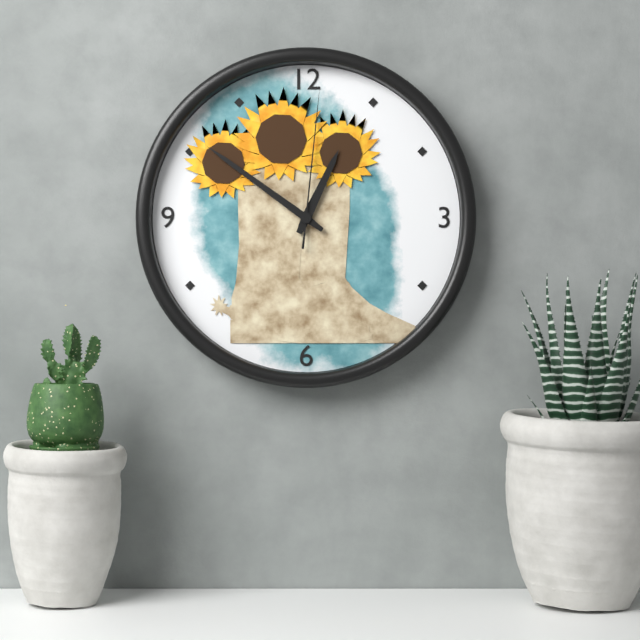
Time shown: **12:51:01**
